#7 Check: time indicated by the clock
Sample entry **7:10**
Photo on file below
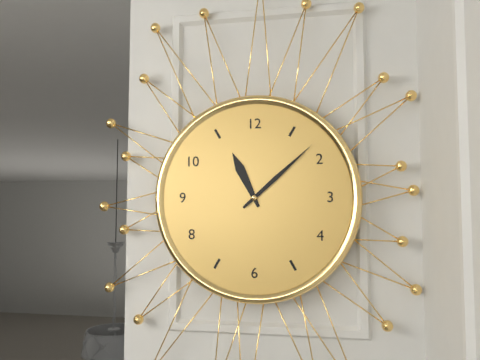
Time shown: **11:08**
